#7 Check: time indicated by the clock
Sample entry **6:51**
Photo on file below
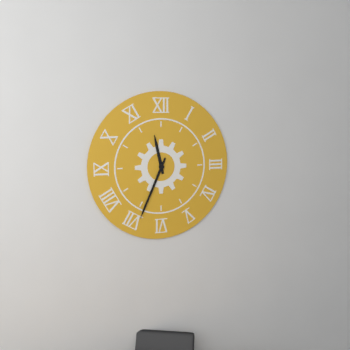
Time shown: **11:34**
